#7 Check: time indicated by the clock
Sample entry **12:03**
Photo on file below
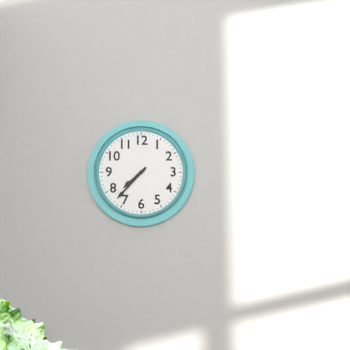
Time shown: **7:37**
